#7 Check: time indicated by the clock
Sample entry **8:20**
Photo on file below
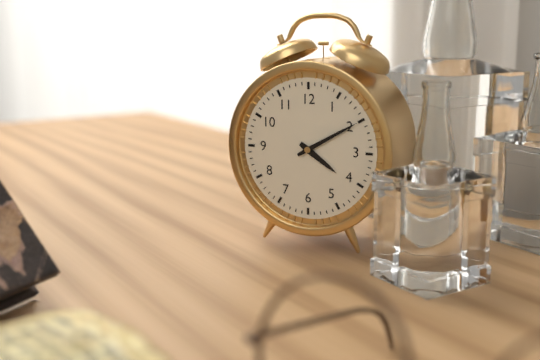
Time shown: **4:10**
